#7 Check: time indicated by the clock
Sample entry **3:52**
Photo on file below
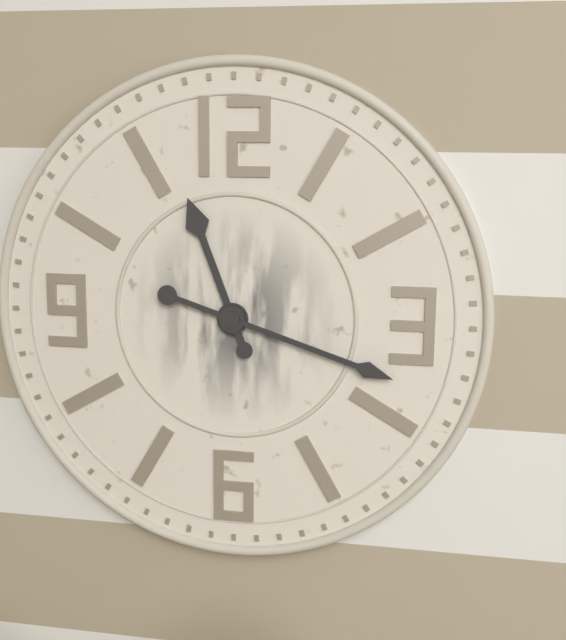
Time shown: **11:18**
